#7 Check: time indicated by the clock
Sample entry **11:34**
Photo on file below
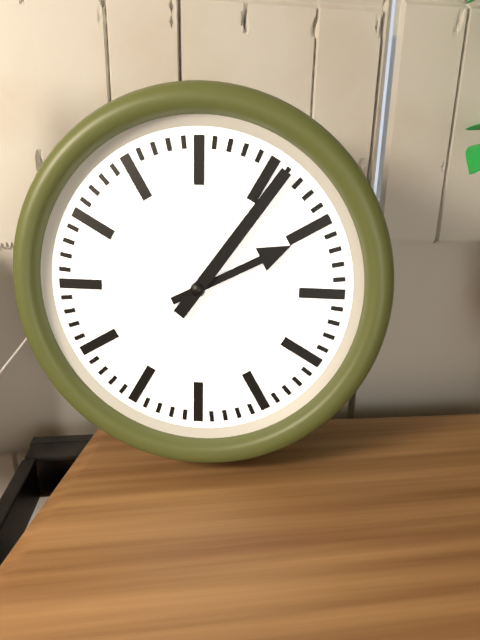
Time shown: **2:06**
